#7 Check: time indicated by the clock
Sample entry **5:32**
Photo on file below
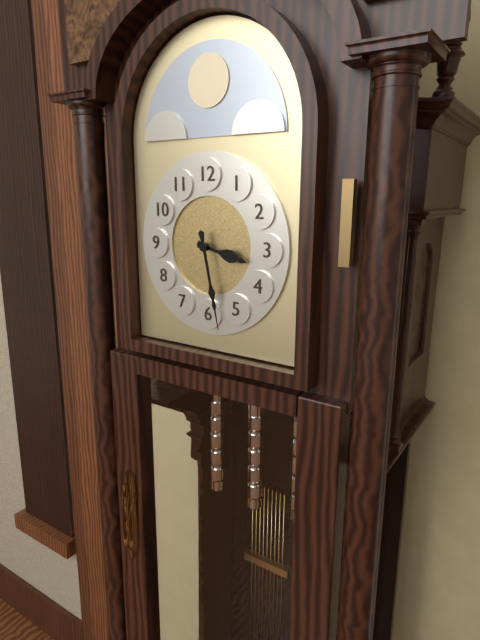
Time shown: **3:28**
